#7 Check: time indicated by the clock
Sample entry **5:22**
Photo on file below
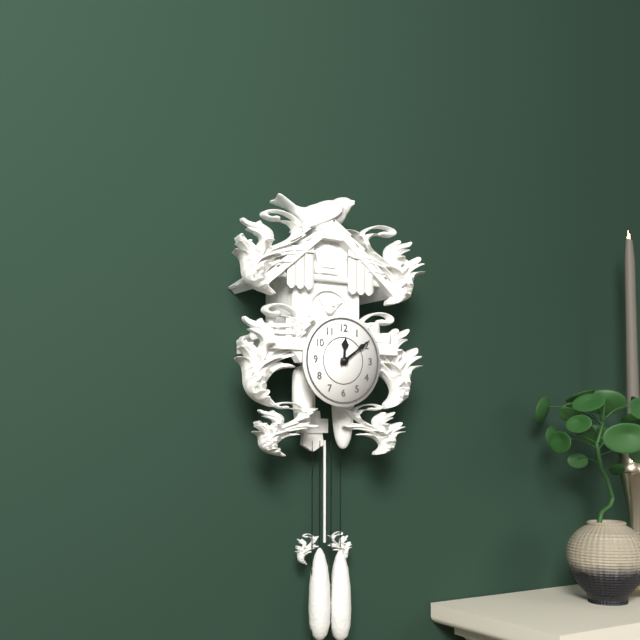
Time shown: **12:09**
